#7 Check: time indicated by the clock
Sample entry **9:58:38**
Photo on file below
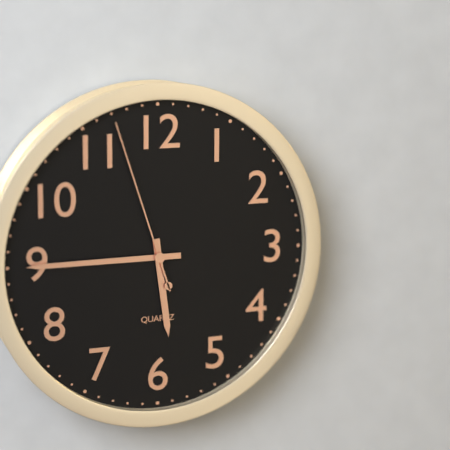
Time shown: **5:45:57**
